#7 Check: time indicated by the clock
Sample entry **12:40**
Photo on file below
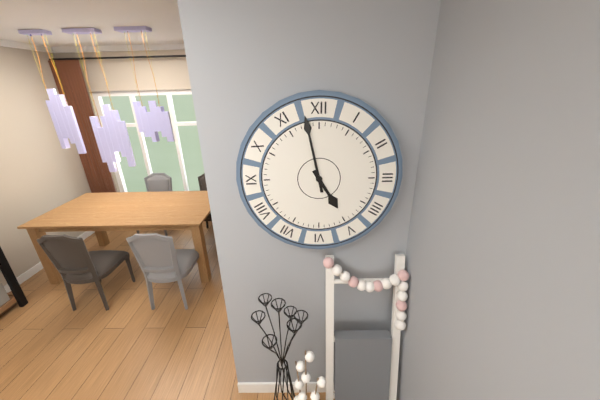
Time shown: **4:58**
